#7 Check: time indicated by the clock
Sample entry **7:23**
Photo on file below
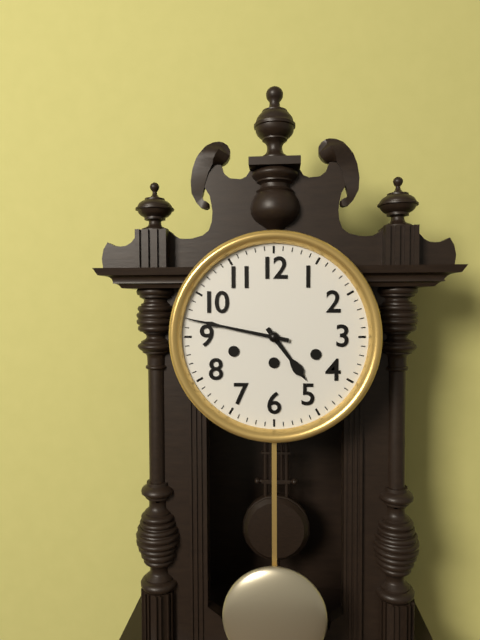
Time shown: **4:47**
